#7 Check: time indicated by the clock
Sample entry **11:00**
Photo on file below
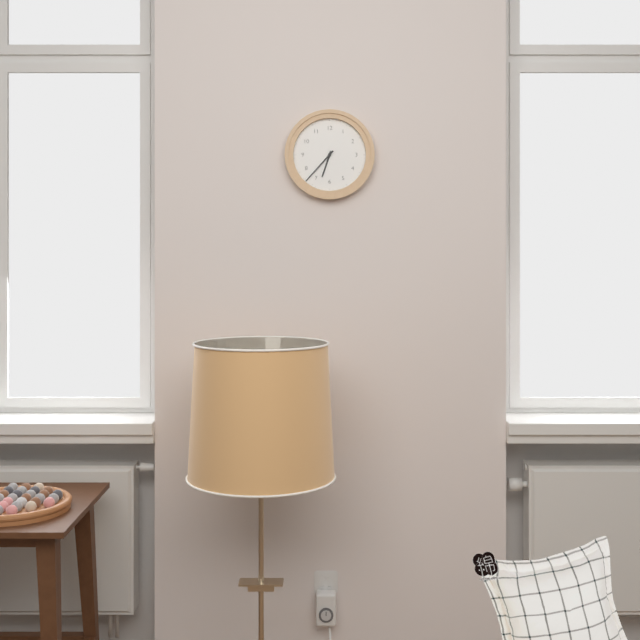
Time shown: **6:37**
